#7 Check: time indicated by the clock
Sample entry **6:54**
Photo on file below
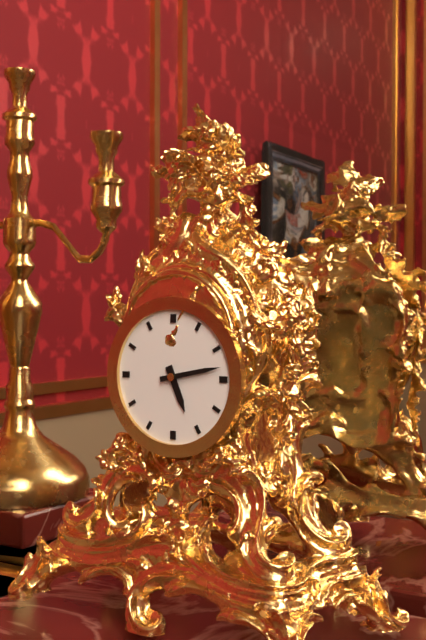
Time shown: **5:13**
